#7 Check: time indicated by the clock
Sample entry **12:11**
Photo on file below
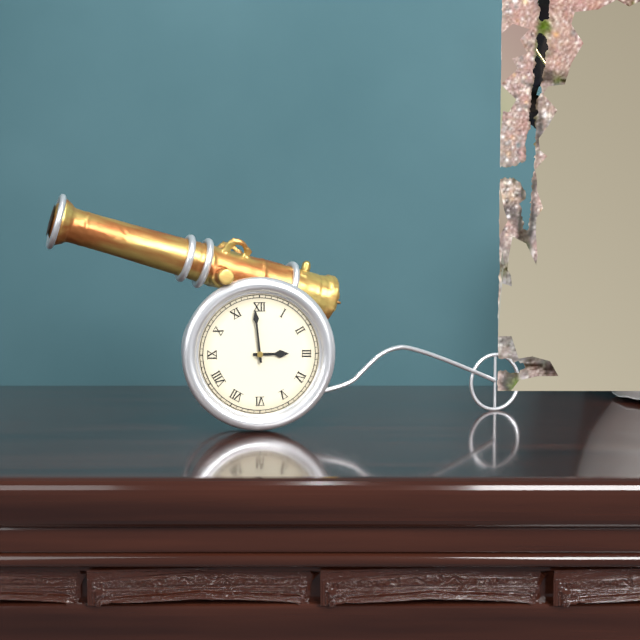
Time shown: **2:59**
